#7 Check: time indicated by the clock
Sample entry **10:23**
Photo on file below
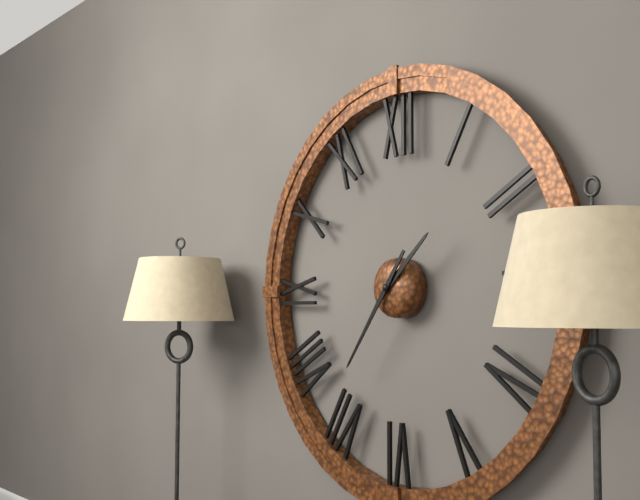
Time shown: **1:36**
